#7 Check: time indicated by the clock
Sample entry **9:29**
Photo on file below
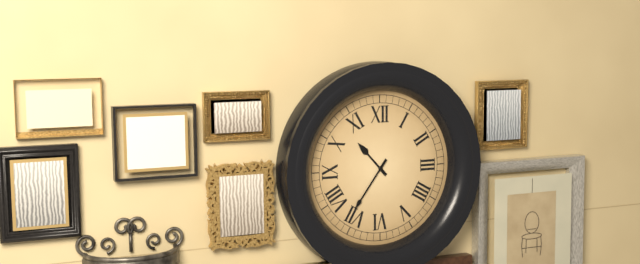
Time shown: **10:36**
